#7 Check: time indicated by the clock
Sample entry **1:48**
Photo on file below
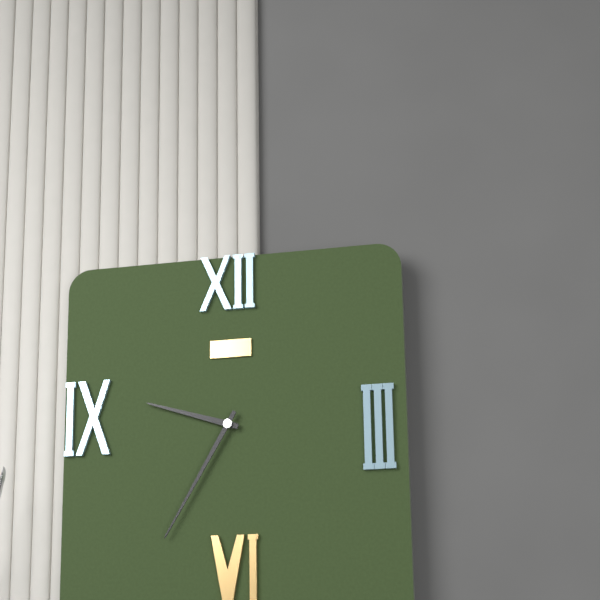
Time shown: **9:35**
